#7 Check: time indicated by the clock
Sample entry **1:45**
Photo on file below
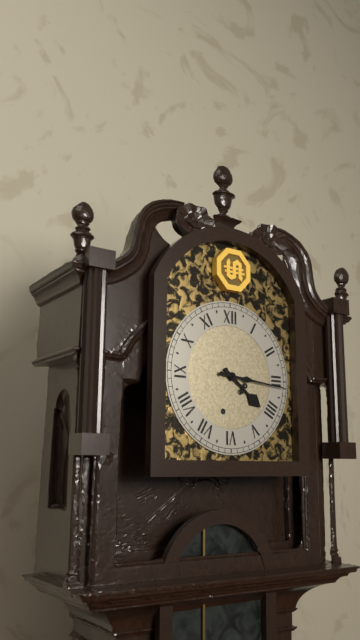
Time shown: **4:16**
